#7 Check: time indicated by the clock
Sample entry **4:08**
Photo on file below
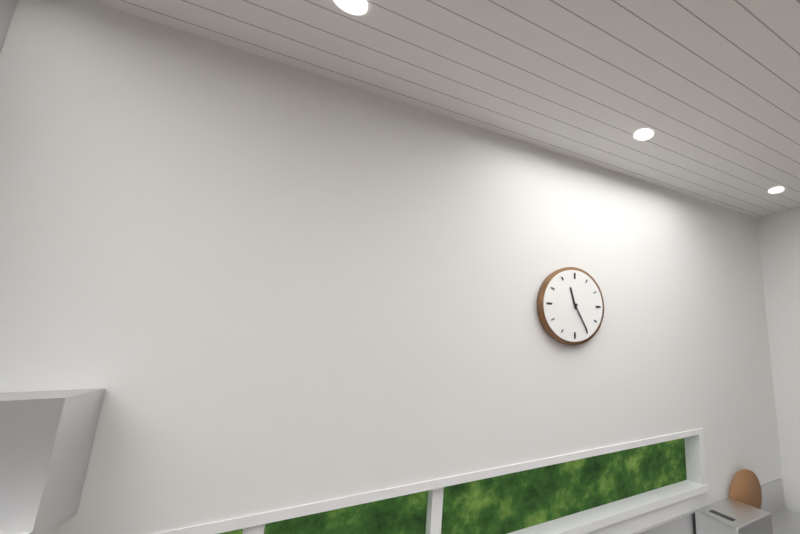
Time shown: **11:25**
